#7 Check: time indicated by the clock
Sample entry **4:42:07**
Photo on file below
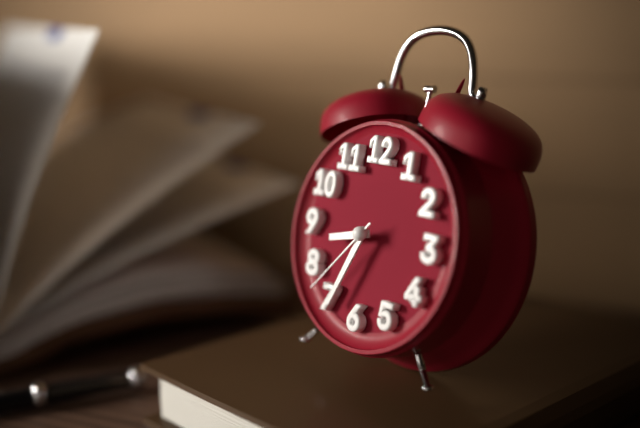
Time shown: **8:34:37**
